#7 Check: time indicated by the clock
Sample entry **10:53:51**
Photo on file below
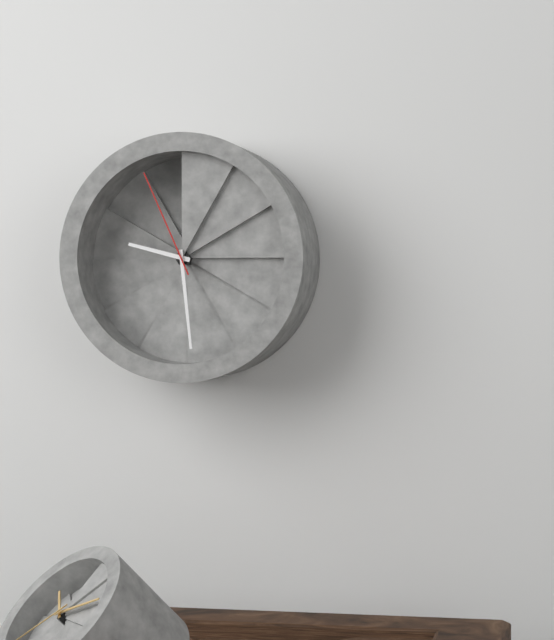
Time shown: **9:29:56**
